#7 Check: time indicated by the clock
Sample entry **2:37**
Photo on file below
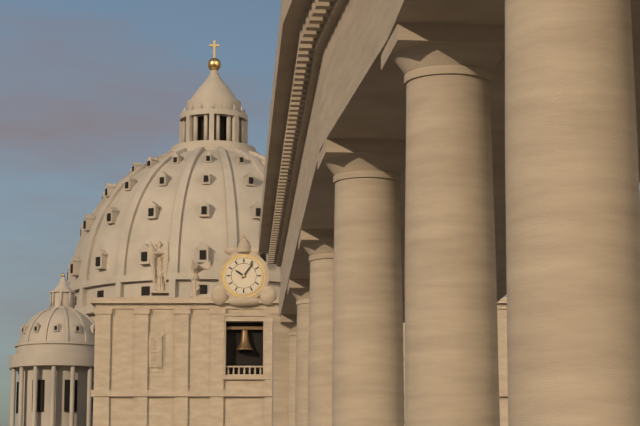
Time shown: **10:06**
